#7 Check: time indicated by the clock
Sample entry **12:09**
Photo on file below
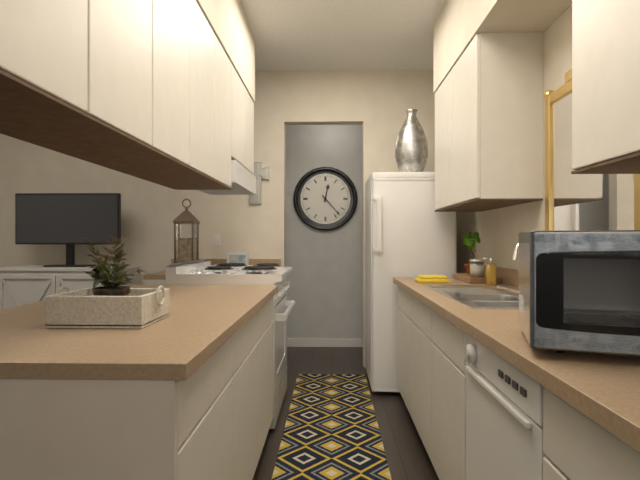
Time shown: **12:23**
